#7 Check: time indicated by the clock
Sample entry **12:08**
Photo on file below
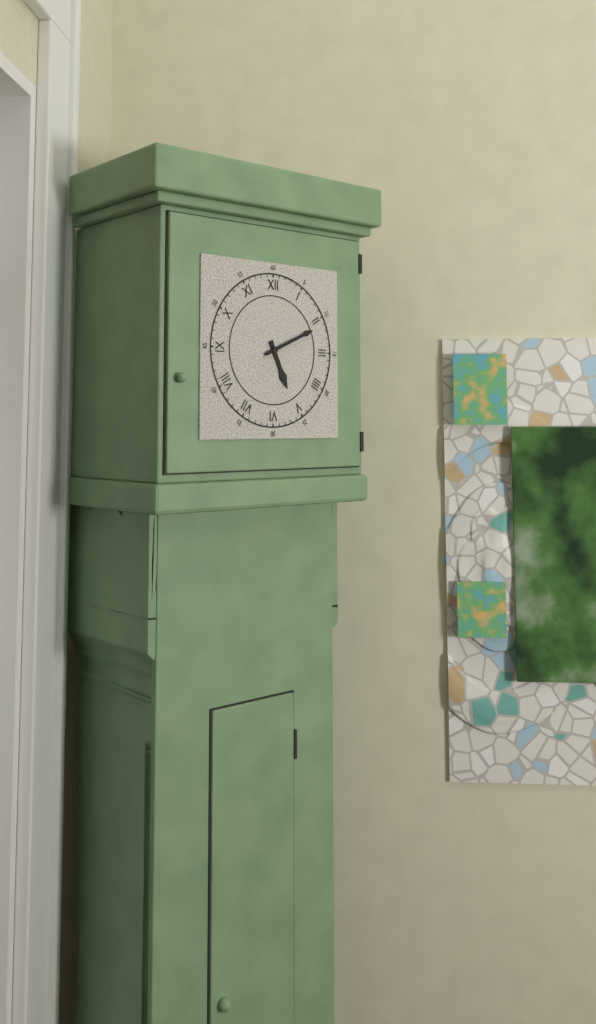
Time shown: **5:11**
